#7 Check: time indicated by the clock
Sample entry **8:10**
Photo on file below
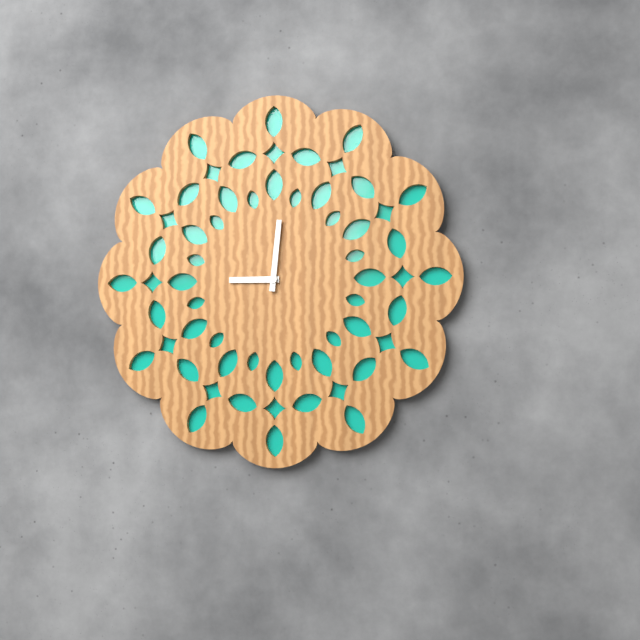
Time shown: **9:01**
